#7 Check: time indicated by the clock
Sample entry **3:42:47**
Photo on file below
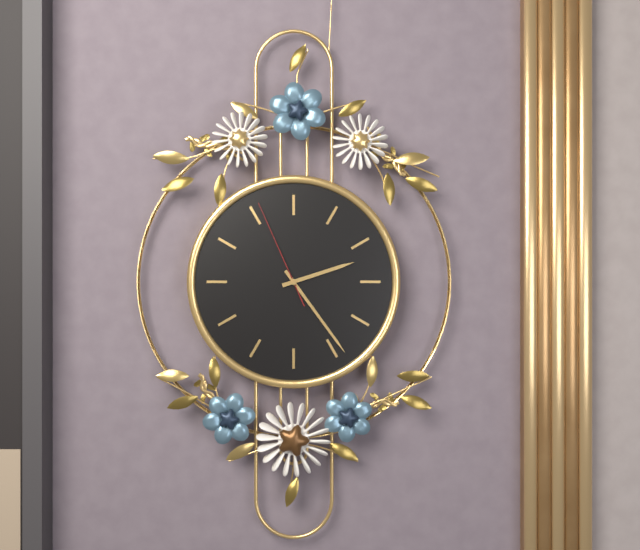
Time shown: **2:24:56**
